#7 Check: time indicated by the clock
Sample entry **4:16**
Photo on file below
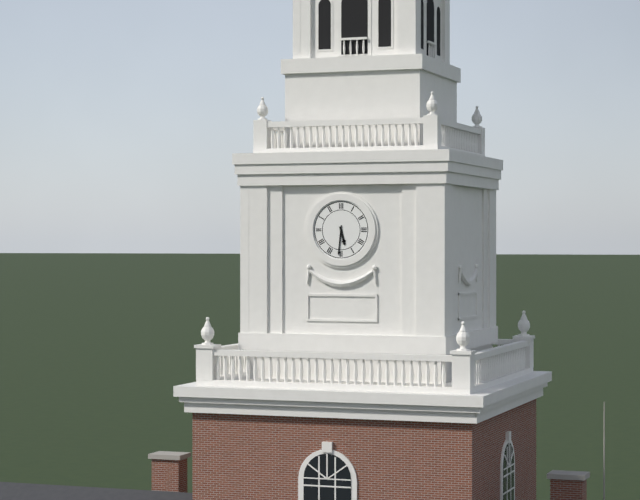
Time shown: **5:31**
